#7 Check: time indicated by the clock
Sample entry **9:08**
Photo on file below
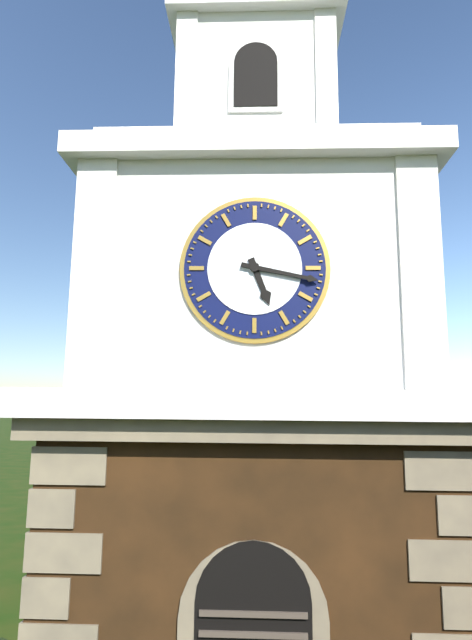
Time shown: **5:17**
